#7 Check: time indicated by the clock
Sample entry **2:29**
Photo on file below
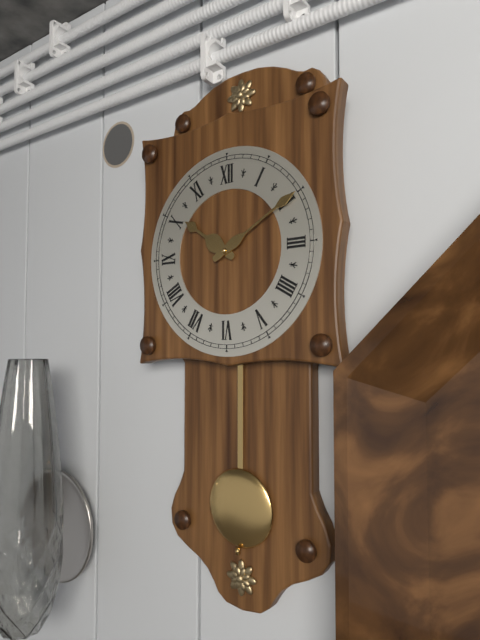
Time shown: **10:10**
